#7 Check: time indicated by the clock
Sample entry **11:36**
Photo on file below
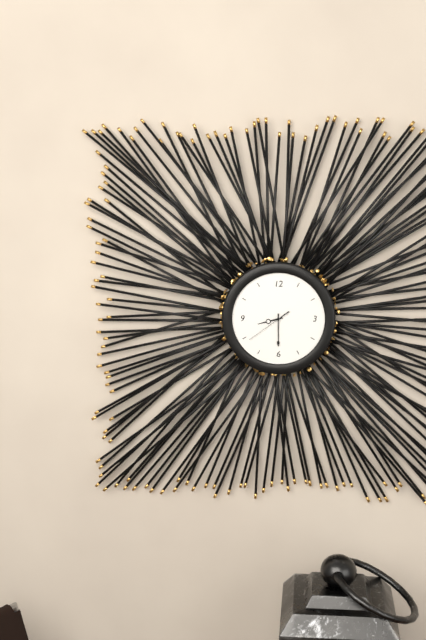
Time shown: **8:30**
